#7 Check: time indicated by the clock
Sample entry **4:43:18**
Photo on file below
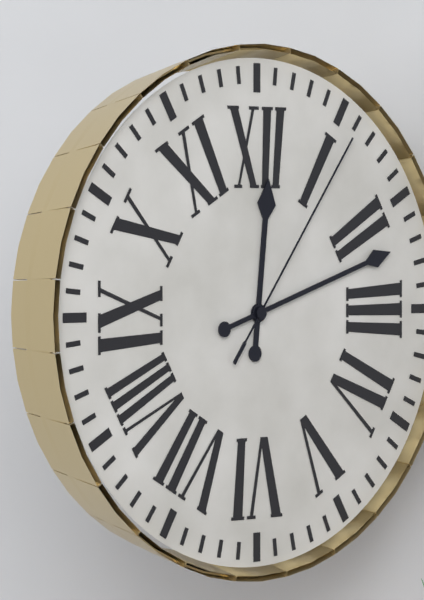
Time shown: **12:12:06**
